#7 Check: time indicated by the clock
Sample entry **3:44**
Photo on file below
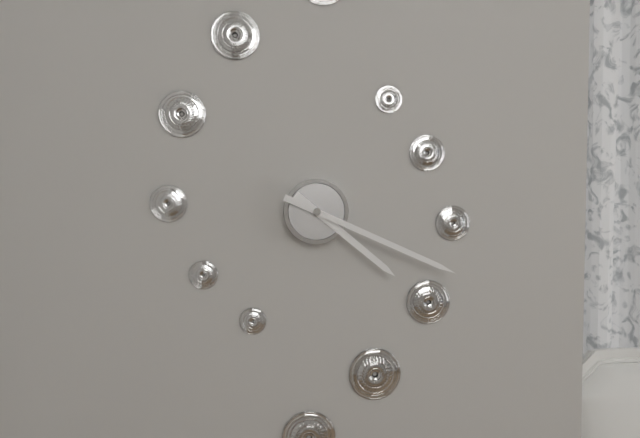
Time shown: **4:19**
